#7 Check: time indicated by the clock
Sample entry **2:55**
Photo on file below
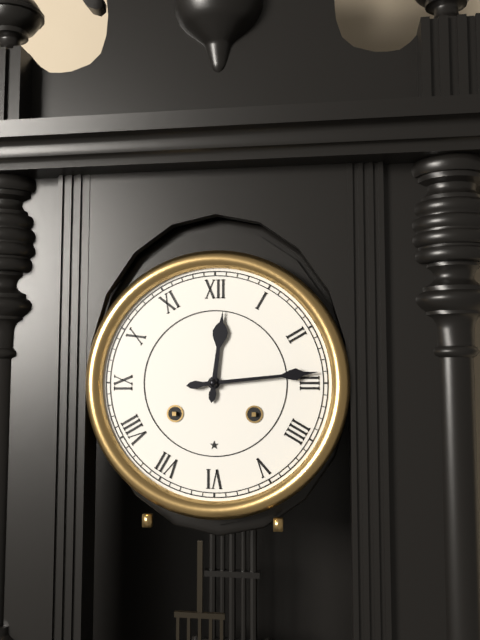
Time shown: **12:14**
